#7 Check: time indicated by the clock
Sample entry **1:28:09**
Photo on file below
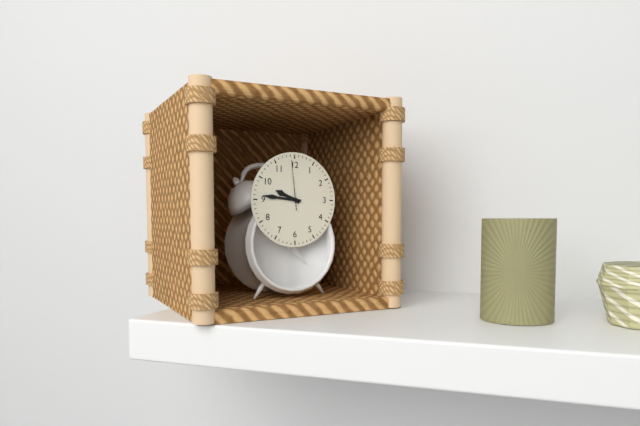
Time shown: **9:46:59**
